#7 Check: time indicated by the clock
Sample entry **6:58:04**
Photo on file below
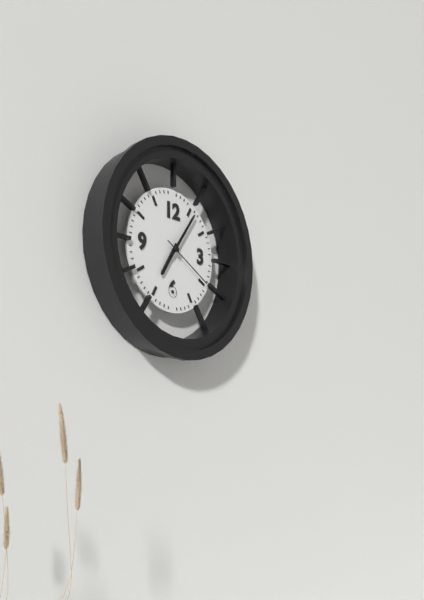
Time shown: **7:06:20**
